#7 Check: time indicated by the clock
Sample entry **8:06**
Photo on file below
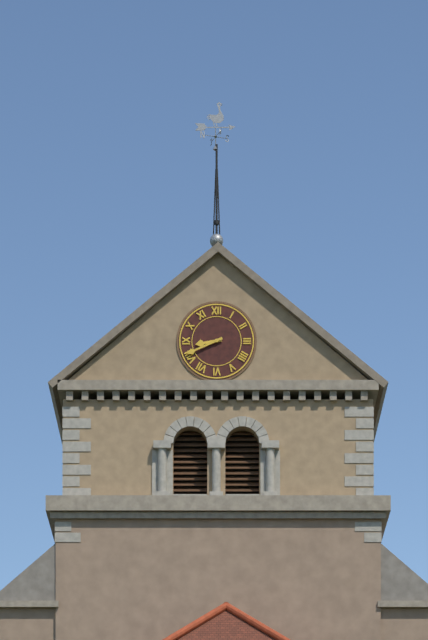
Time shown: **8:41**
